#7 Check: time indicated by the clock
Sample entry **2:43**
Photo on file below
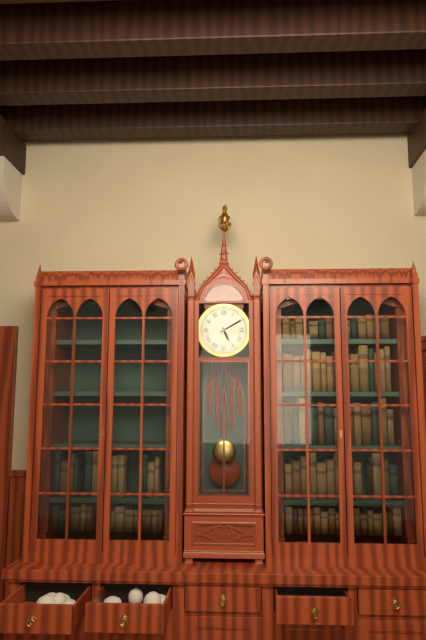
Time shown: **5:10**
